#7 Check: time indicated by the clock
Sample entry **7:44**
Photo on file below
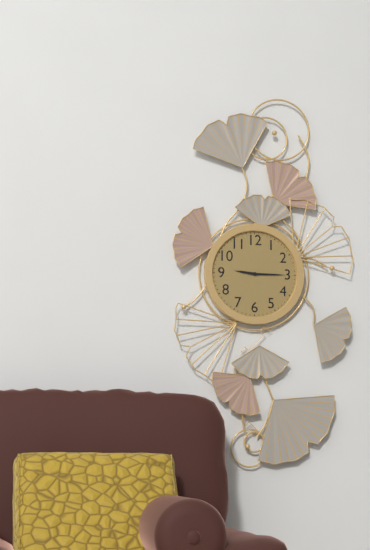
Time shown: **9:15**
